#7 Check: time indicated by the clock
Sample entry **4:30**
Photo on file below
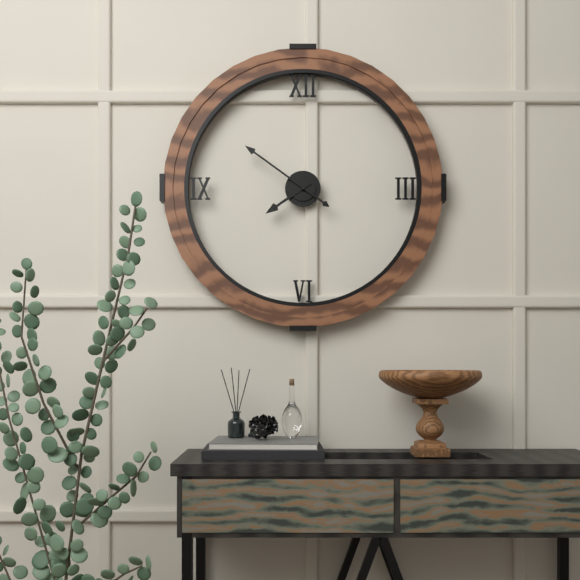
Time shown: **7:51**
